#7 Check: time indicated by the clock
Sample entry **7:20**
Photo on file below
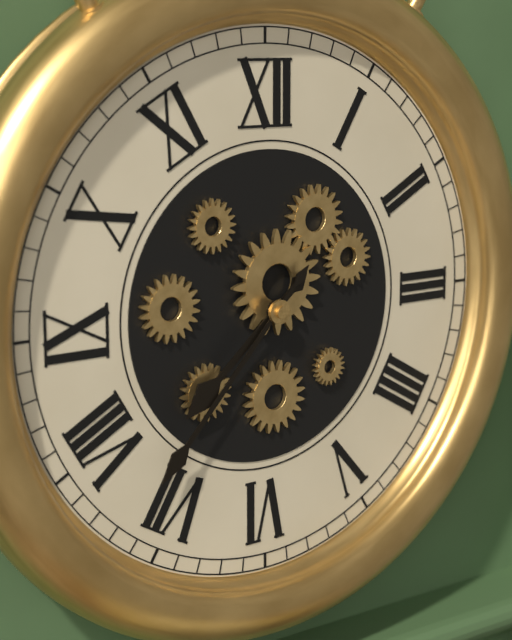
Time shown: **7:37**
